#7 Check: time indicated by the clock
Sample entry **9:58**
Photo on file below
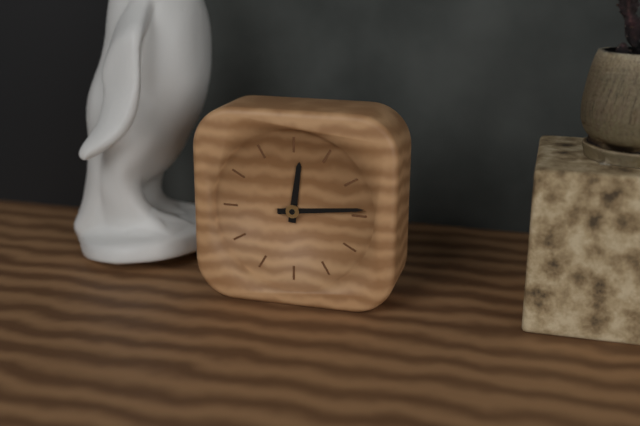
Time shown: **12:14**
